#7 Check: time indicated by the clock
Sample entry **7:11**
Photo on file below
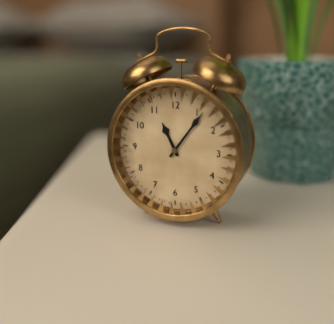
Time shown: **11:06**
